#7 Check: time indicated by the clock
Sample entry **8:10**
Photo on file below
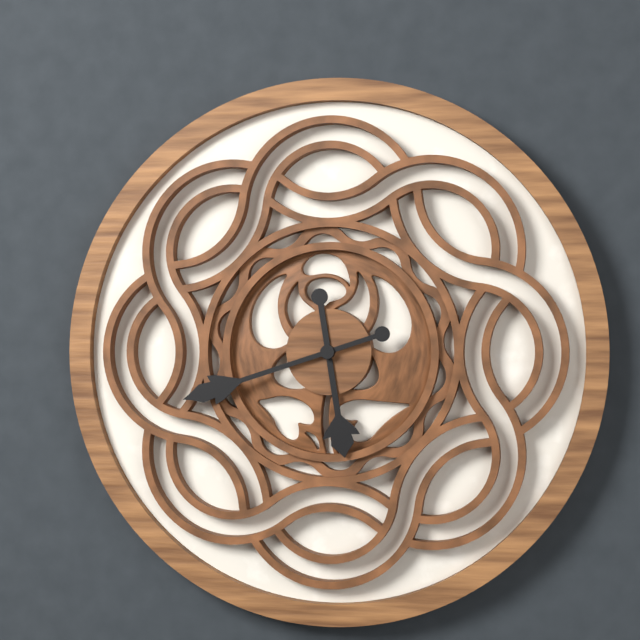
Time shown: **5:42**
